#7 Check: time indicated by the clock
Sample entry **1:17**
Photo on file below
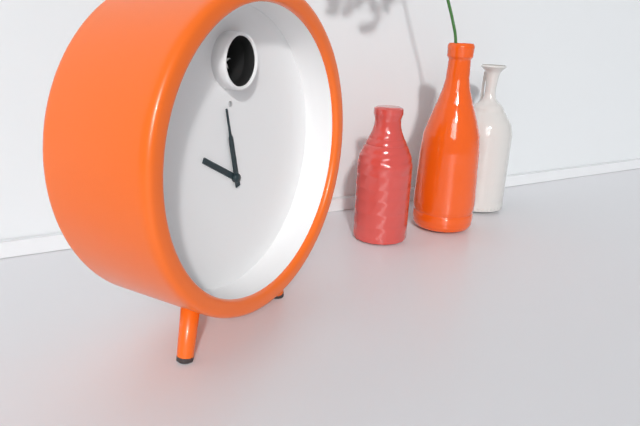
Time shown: **9:58**
